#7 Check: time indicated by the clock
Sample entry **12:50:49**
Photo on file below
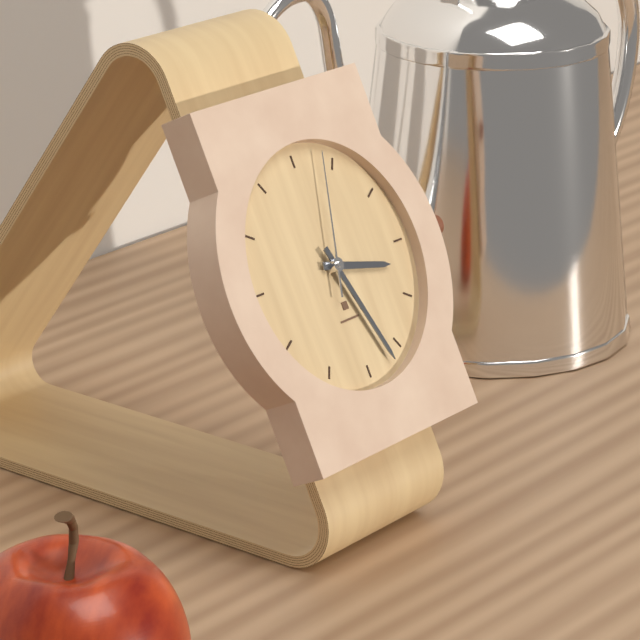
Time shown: **3:27:03**
